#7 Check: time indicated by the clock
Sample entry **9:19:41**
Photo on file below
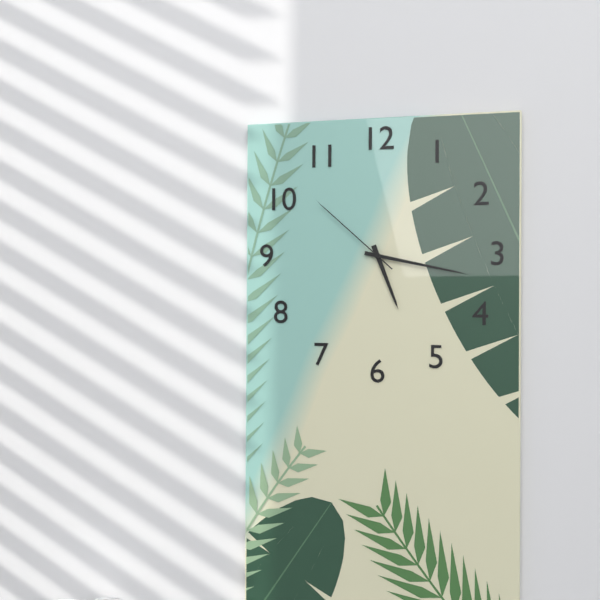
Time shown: **5:17:52**
